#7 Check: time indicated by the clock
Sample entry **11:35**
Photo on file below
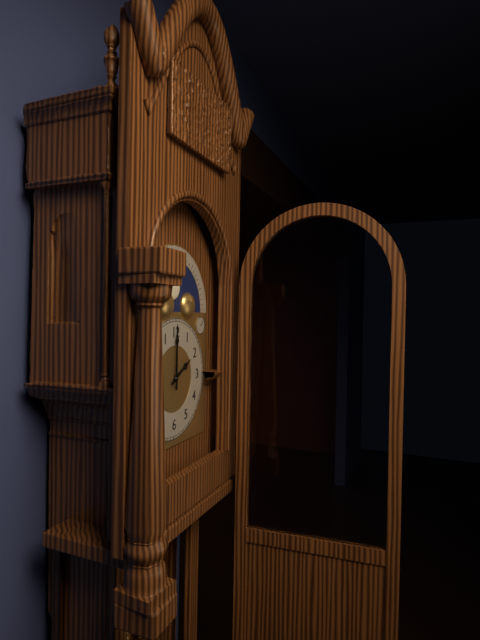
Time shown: **2:00**
